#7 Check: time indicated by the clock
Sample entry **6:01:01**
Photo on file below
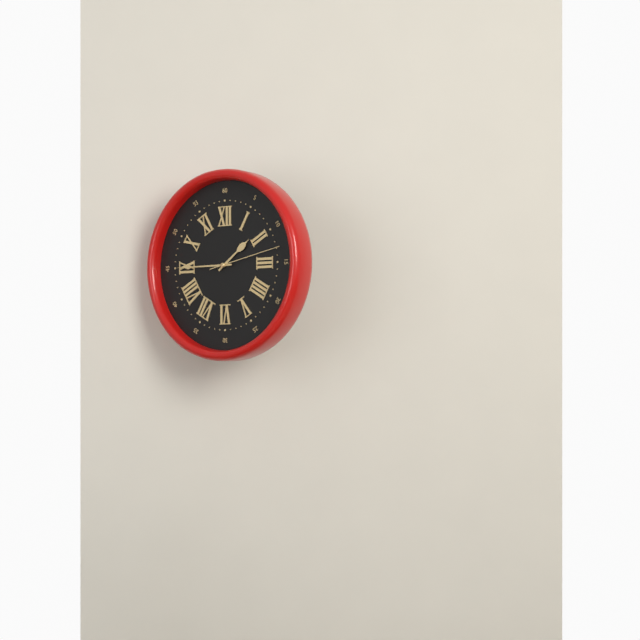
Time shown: **1:45:13**
